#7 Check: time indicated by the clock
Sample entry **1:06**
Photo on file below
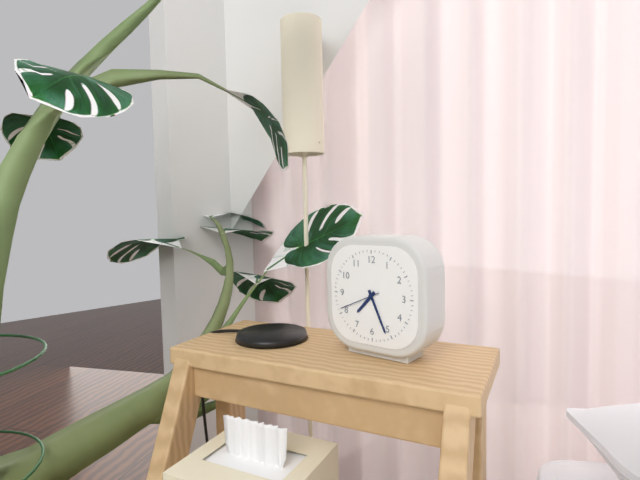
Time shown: **7:26**
